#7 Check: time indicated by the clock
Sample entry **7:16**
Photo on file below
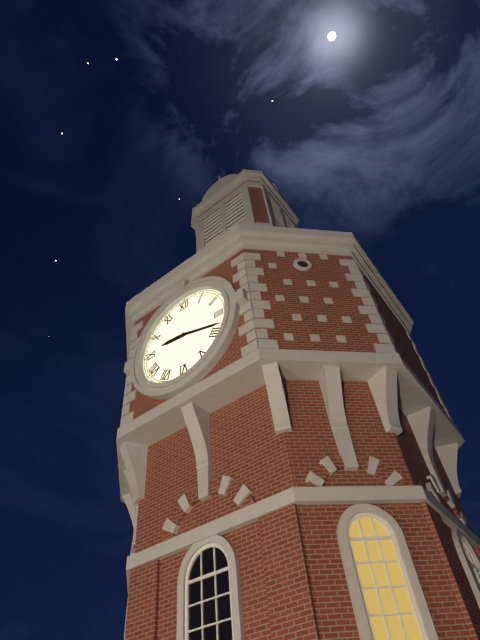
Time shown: **9:18**
